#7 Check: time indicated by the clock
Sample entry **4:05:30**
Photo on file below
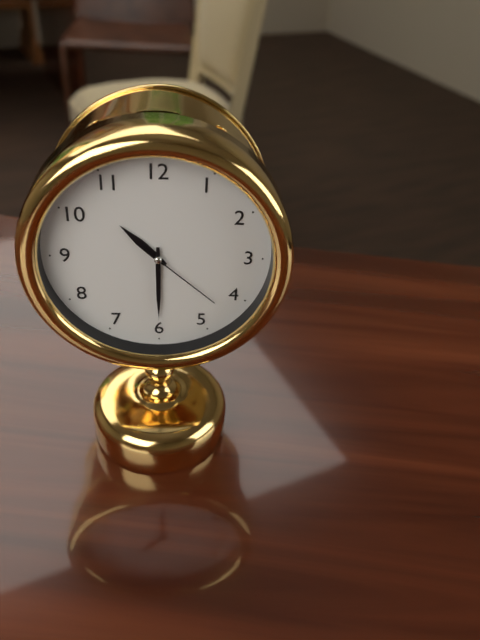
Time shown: **10:30:22**
